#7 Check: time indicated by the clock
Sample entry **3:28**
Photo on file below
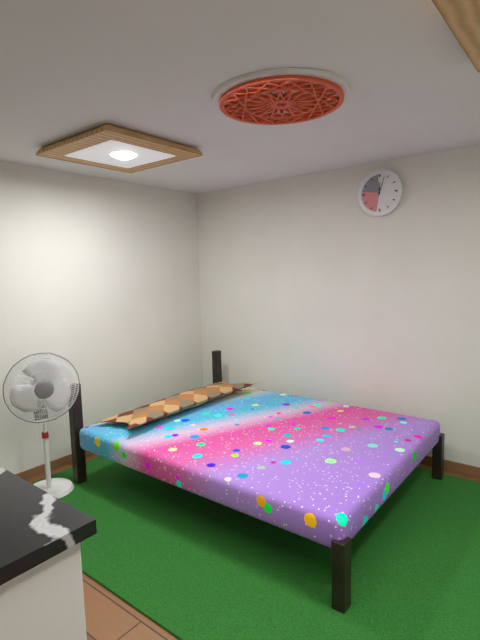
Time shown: **12:03**
